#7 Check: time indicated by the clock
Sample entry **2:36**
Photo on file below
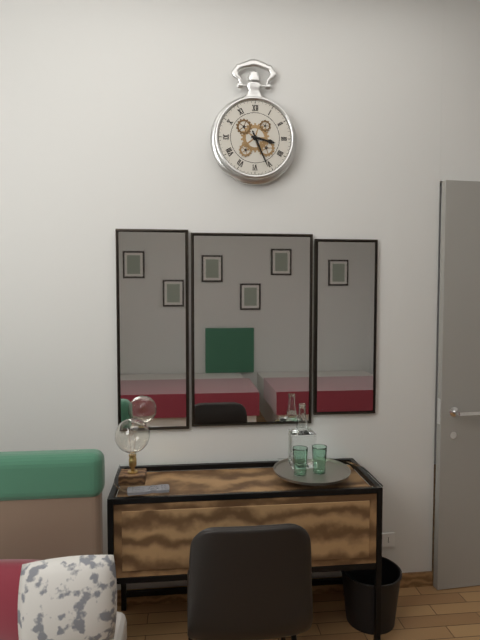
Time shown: **3:26**
